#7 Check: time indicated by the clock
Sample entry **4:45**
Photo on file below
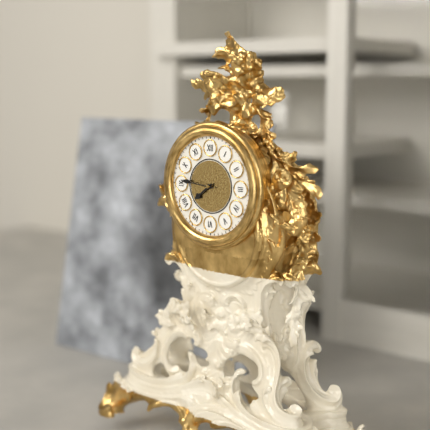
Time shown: **7:46**
